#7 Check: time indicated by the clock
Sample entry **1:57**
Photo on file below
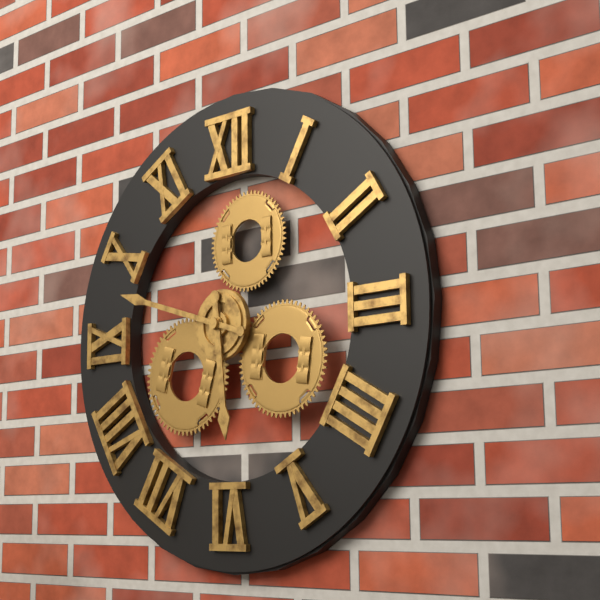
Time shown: **5:48**
